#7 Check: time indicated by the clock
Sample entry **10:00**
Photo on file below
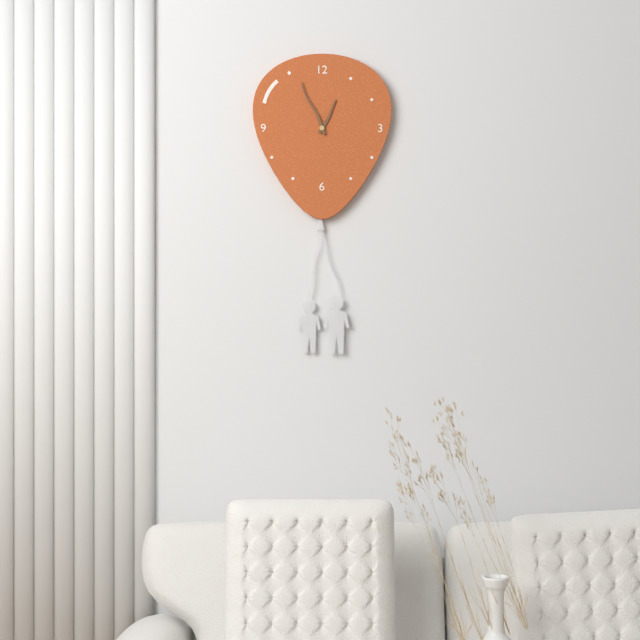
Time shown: **12:56**
